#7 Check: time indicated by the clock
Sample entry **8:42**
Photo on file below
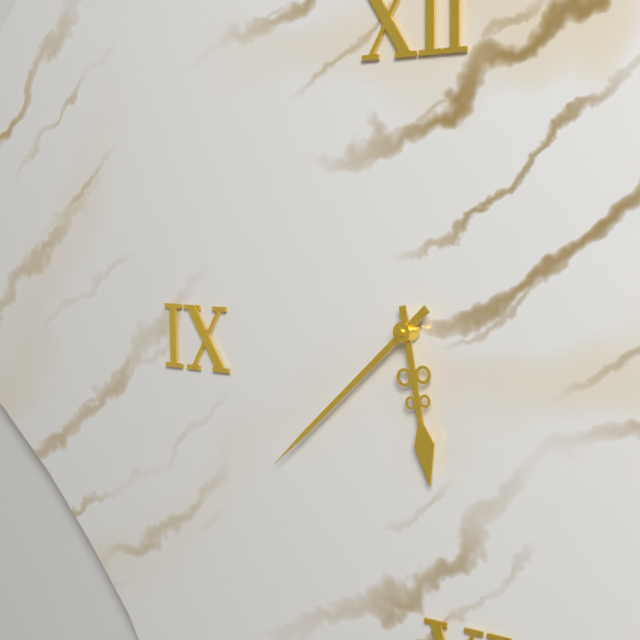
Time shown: **5:38**
